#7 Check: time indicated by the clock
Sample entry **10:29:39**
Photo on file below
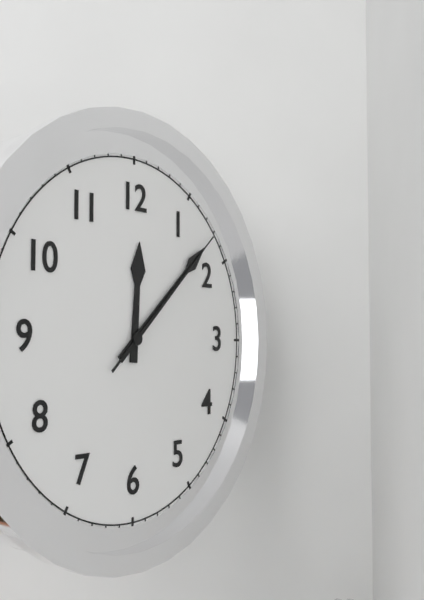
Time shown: **12:08:08**
